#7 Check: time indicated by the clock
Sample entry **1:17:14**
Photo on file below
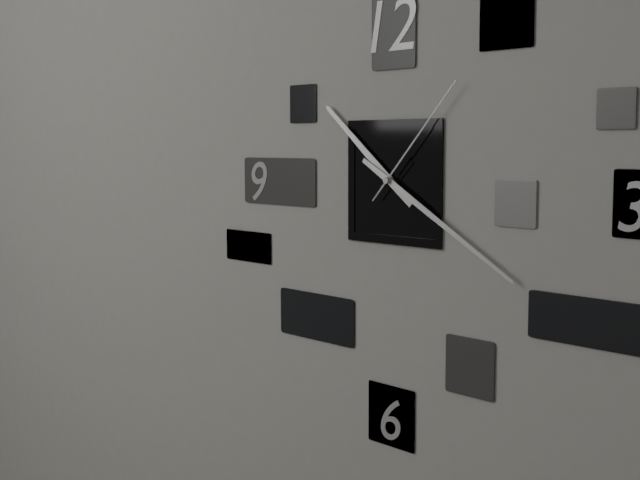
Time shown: **10:20:07**
